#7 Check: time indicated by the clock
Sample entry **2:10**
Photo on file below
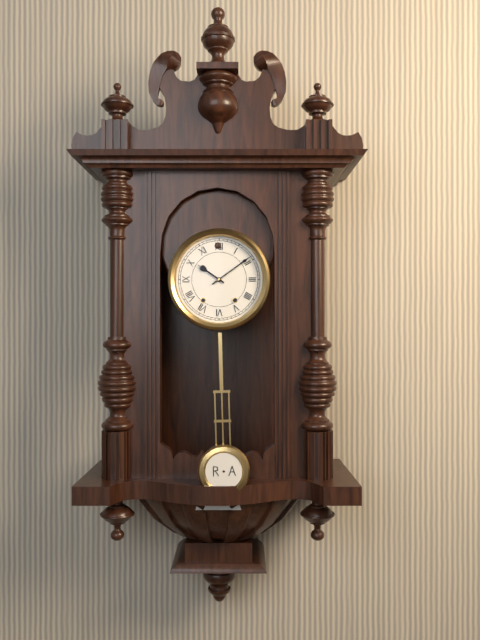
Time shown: **10:09**
